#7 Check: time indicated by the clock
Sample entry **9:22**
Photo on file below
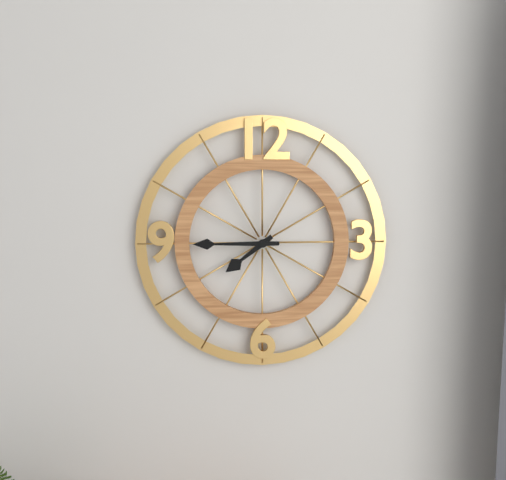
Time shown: **7:45**
